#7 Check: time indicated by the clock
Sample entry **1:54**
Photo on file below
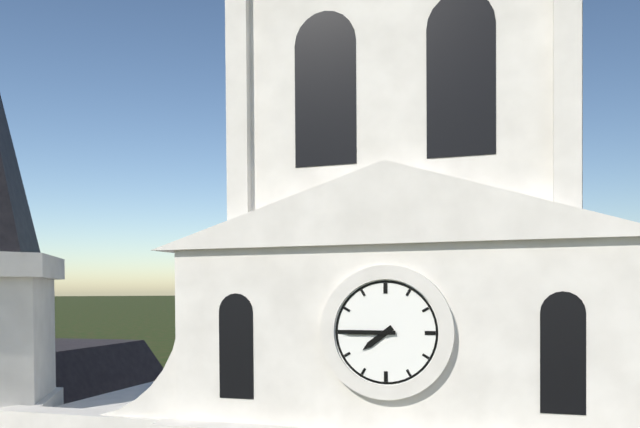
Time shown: **7:45**
